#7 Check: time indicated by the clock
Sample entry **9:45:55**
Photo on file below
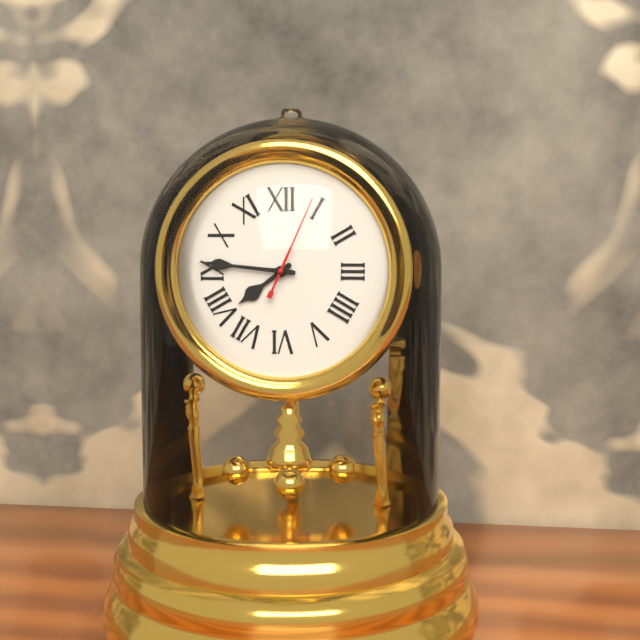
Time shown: **7:46:04**
